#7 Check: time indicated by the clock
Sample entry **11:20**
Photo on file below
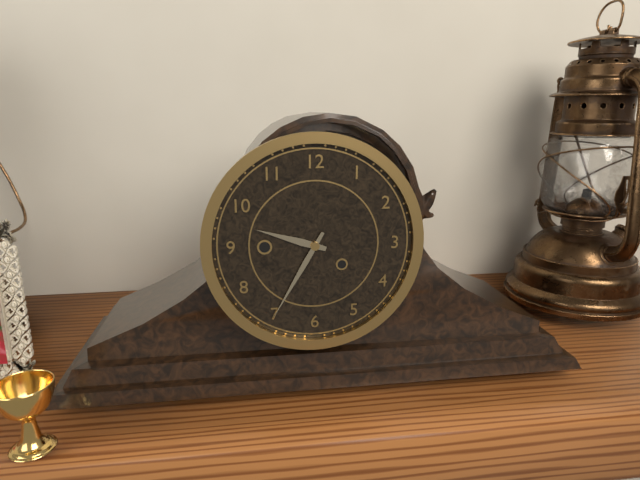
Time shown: **9:35**
